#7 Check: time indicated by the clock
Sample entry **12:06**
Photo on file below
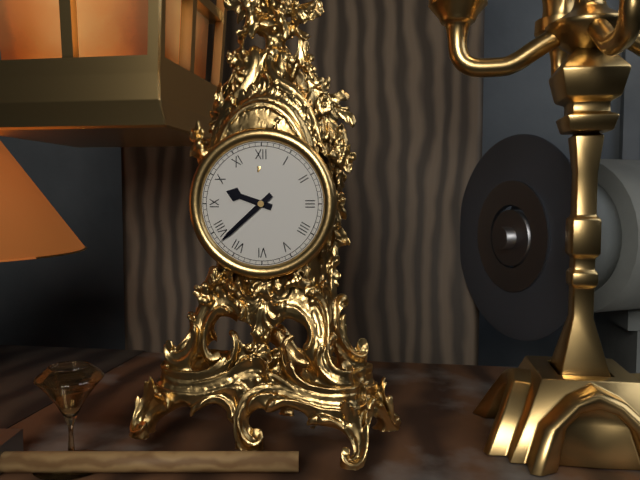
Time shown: **9:38**
